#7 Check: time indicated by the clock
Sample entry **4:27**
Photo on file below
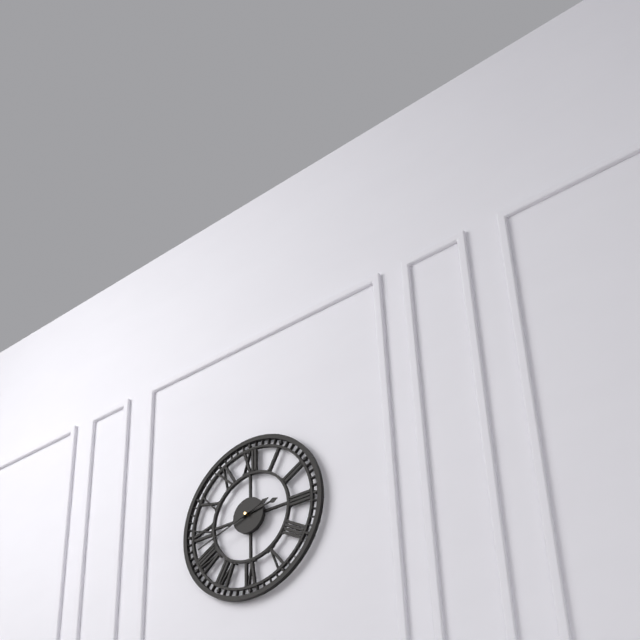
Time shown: **2:42**
